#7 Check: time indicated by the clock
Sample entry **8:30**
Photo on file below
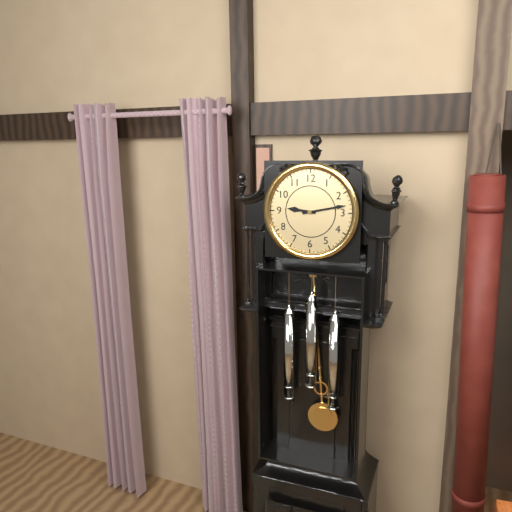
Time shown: **9:13**
